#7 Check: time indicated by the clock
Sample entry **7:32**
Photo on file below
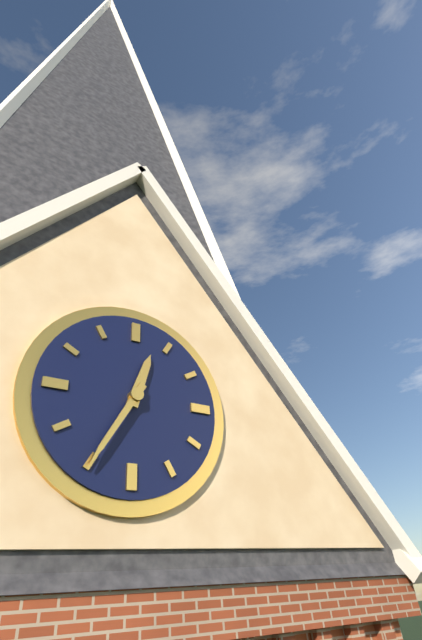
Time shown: **12:35**
